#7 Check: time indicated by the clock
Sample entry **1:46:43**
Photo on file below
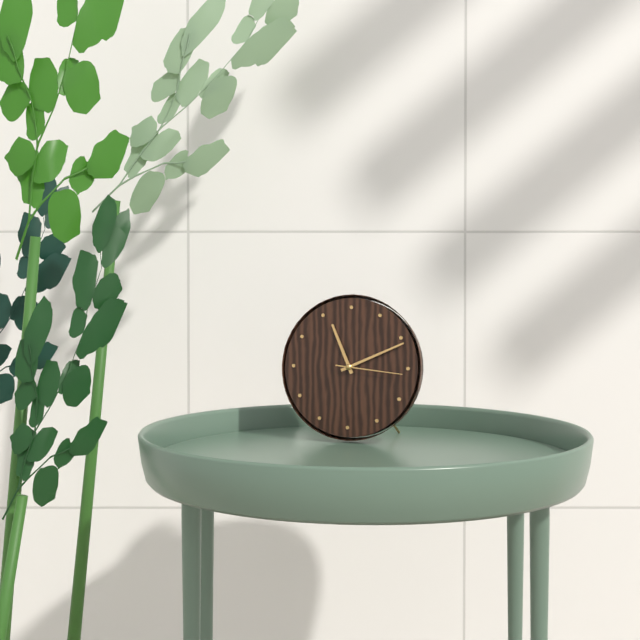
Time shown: **11:11:16**
